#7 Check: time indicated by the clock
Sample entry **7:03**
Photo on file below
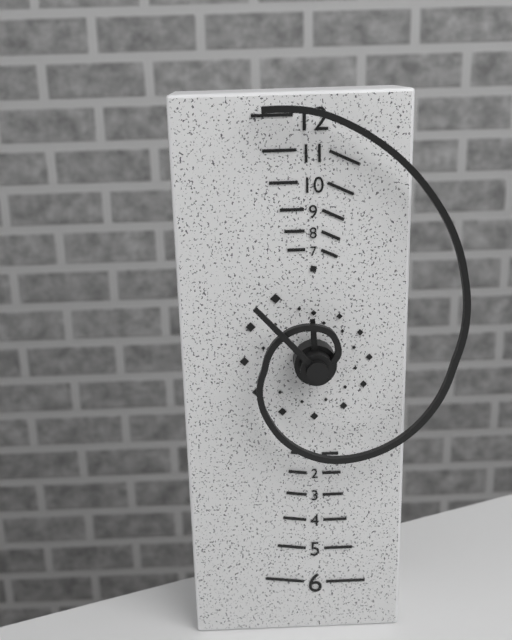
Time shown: **11:53**
